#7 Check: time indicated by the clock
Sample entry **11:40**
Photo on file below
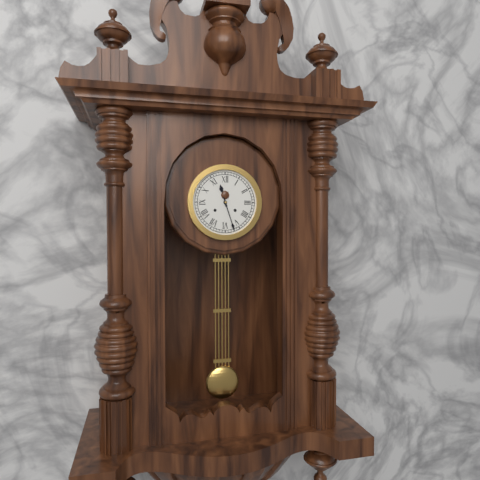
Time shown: **11:27**
